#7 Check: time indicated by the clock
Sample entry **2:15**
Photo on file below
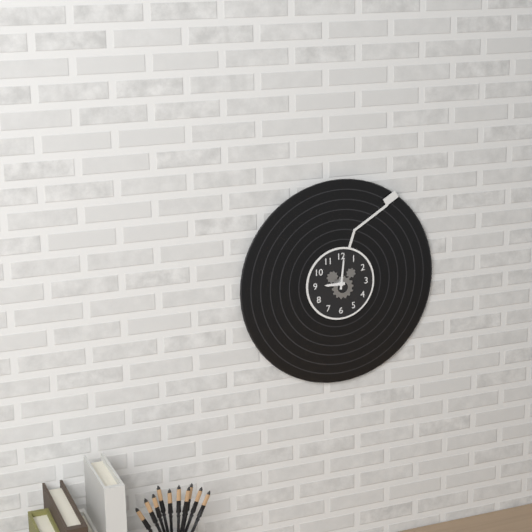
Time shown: **9:01**
